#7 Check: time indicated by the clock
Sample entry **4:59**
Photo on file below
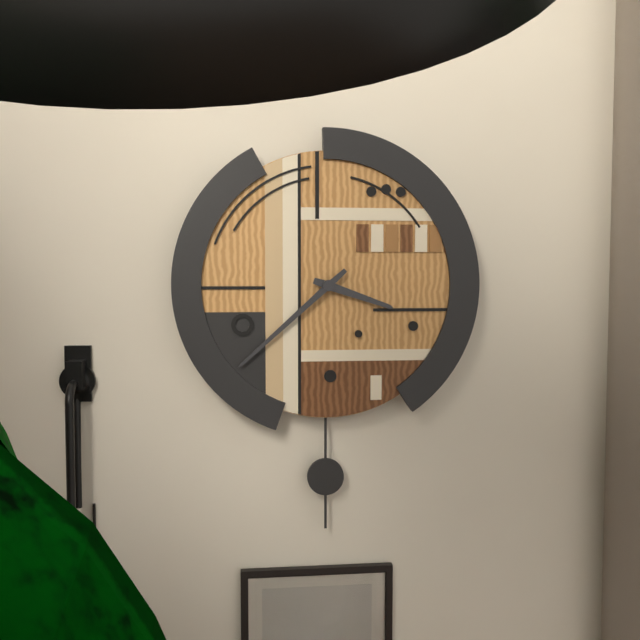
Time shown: **3:38**
